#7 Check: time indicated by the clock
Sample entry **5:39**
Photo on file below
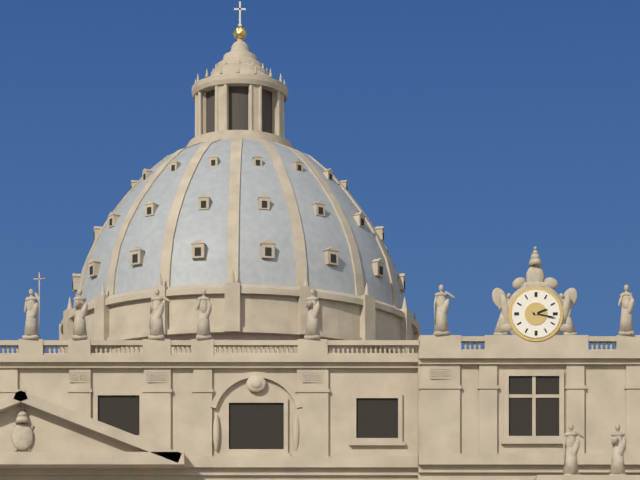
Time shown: **2:17**
